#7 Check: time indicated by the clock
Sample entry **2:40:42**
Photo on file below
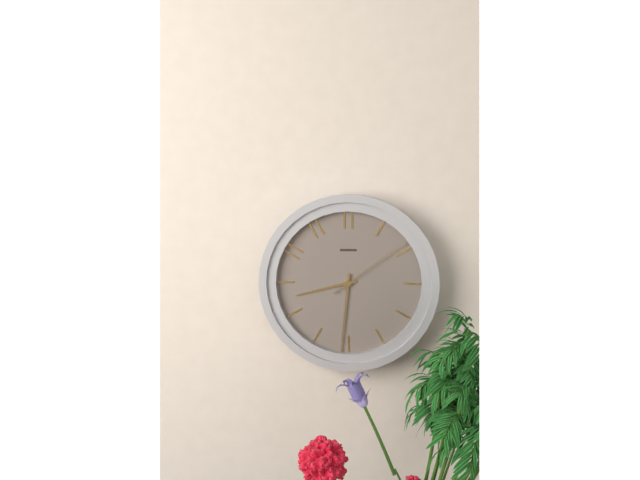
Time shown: **8:31:09**
